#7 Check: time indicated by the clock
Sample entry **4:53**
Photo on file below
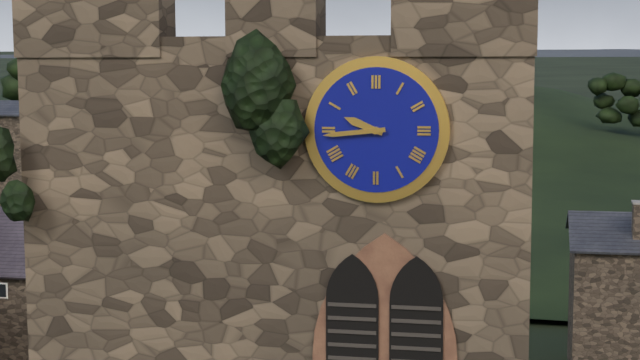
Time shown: **9:44**
